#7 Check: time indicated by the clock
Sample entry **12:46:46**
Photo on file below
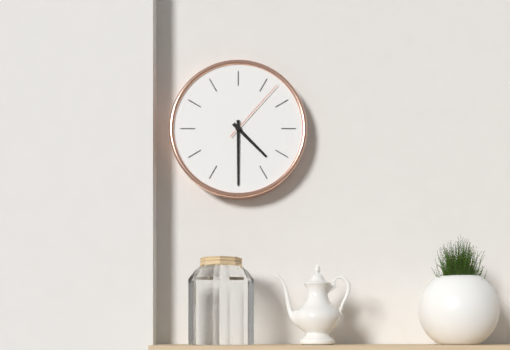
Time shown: **4:30:07**
